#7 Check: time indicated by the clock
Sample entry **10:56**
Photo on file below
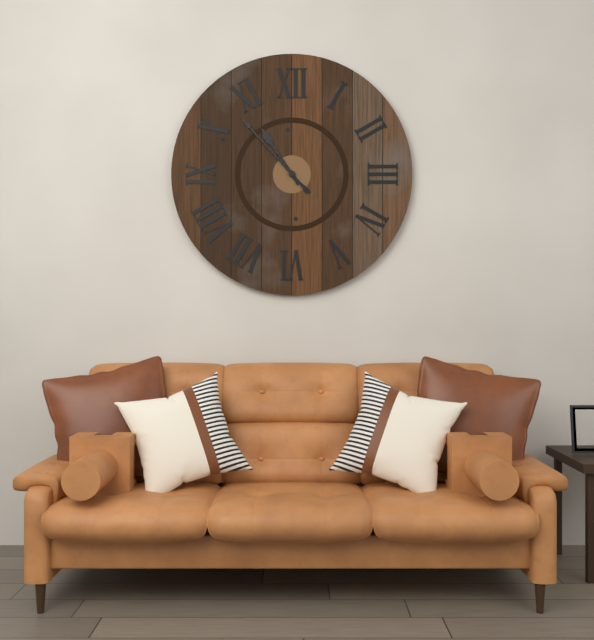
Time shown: **10:53**
